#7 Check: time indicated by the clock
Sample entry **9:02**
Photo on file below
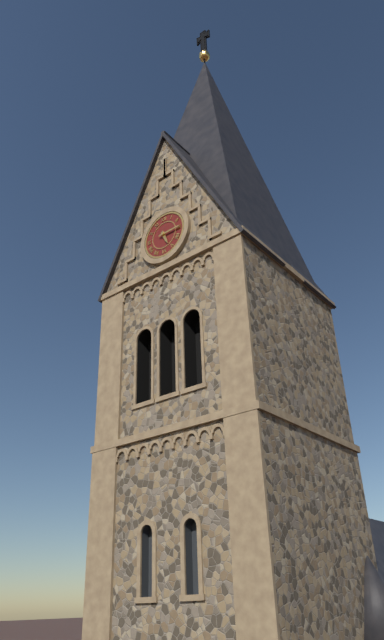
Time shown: **5:15**
